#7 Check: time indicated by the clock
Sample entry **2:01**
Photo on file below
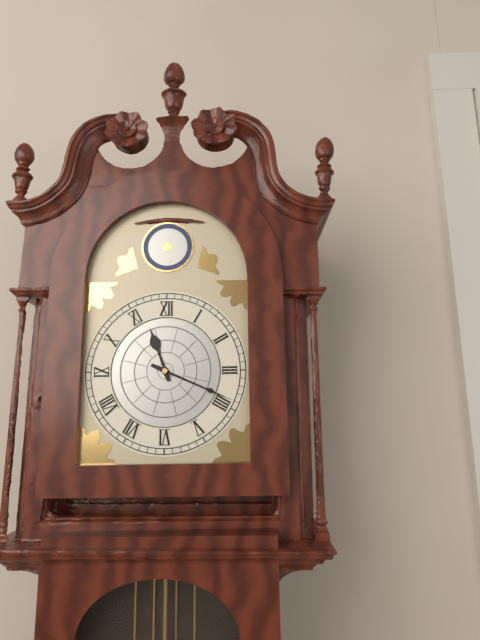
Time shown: **11:19**
